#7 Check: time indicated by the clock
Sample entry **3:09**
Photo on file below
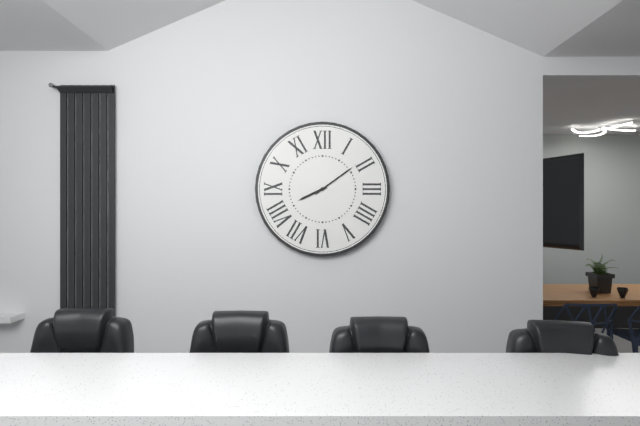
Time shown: **8:09**
